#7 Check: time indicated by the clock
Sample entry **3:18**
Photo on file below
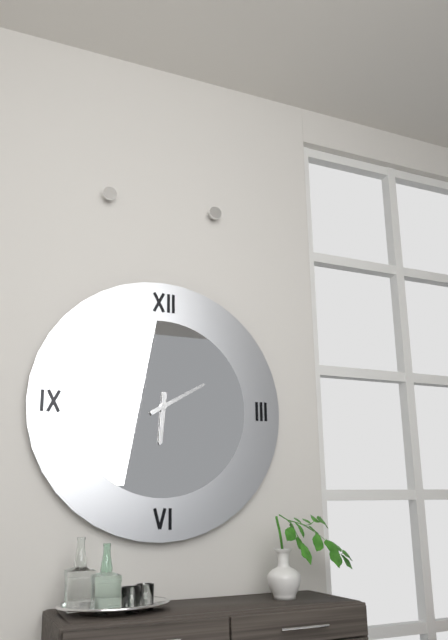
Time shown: **6:10**
